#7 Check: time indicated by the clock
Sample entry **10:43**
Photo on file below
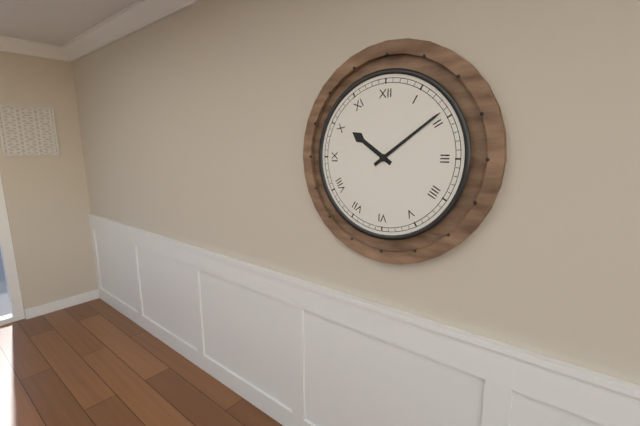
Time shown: **10:09**
